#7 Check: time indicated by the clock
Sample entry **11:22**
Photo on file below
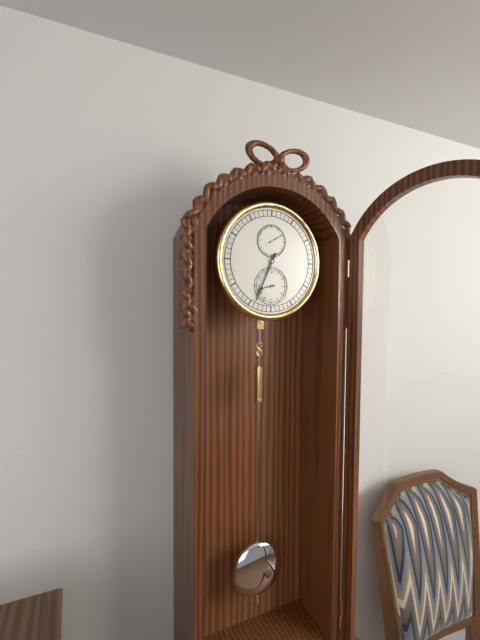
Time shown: **8:34**
